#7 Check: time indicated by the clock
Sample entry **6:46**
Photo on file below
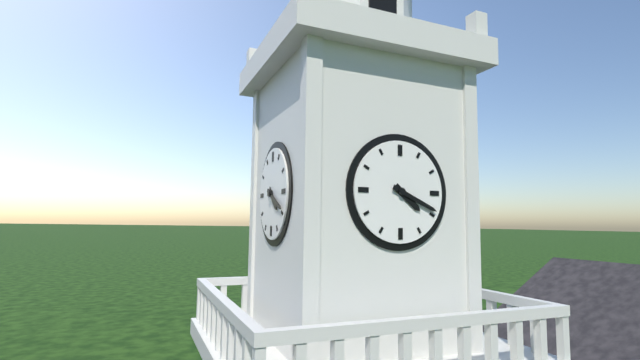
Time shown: **4:19**
